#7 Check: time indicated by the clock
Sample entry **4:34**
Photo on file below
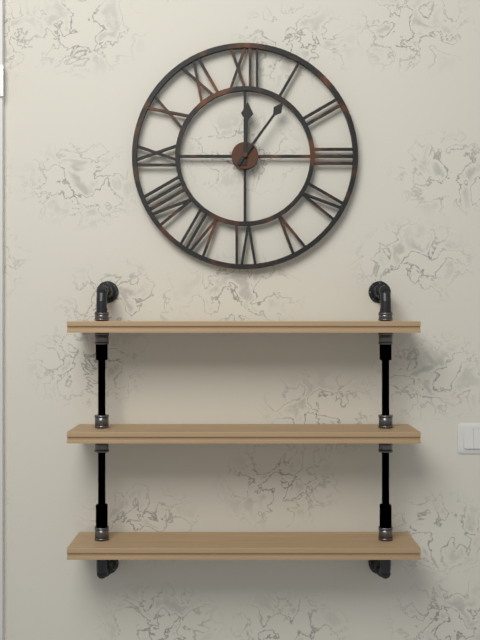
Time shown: **12:06**
